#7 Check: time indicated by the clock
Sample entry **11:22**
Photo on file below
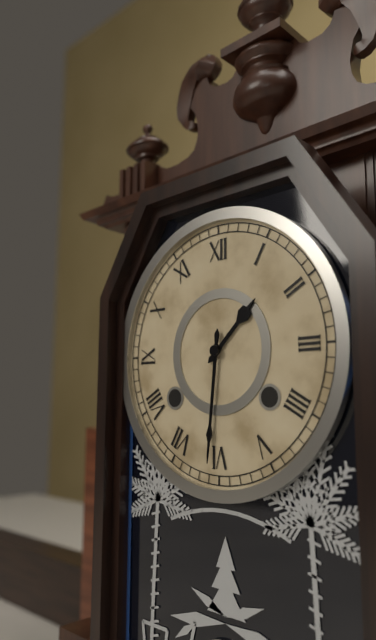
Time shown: **1:31**
